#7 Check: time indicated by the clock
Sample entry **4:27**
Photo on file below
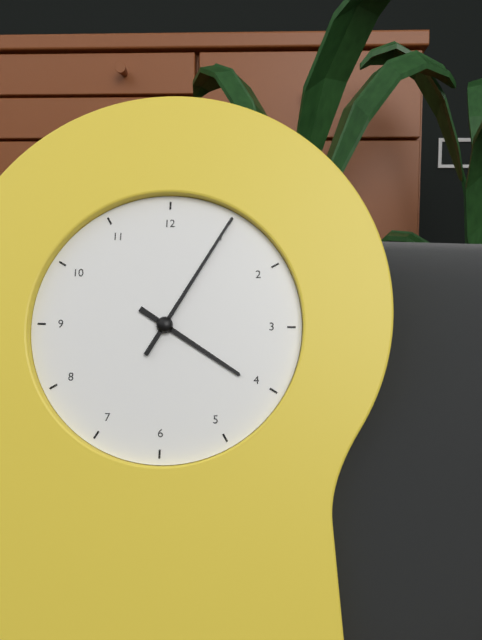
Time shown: **4:05**
